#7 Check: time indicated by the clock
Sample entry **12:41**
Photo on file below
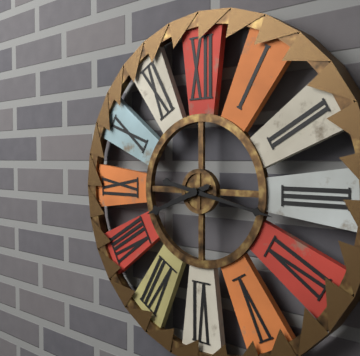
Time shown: **8:17**
